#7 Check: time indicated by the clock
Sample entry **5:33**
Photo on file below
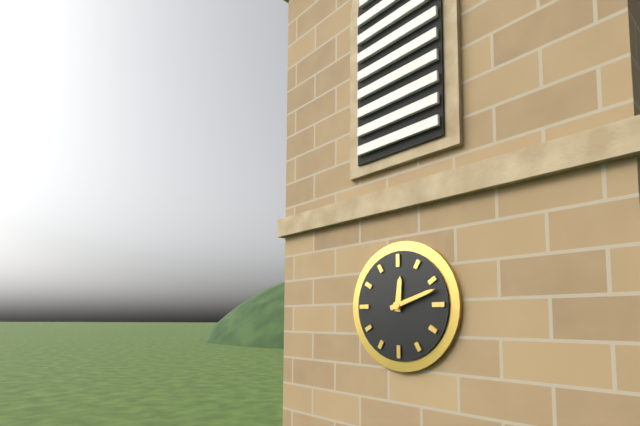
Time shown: **12:12**
